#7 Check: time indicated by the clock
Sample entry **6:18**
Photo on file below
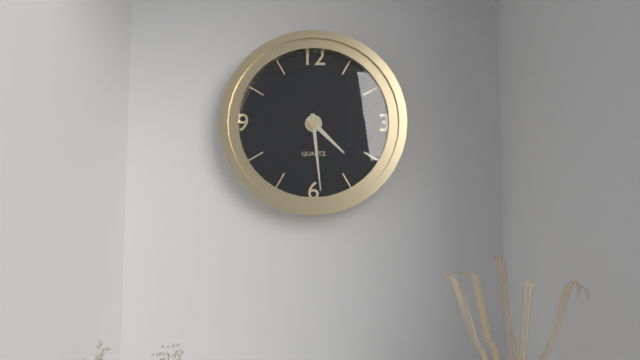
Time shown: **4:29**
